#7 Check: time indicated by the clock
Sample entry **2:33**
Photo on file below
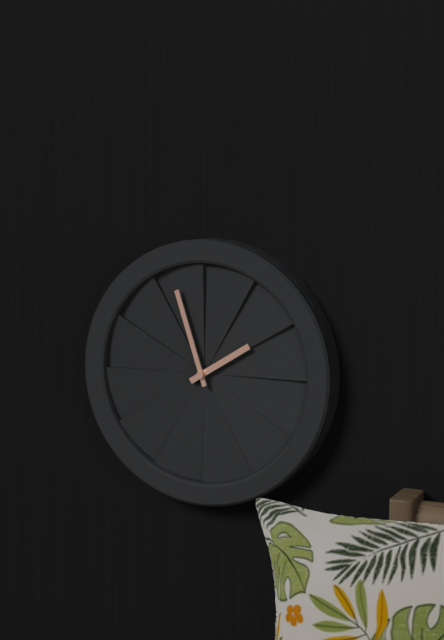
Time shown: **1:57**
